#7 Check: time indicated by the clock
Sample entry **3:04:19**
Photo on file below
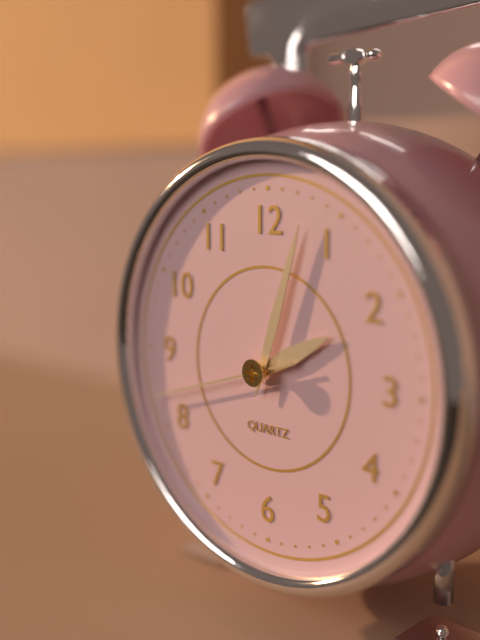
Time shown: **2:03:42**
